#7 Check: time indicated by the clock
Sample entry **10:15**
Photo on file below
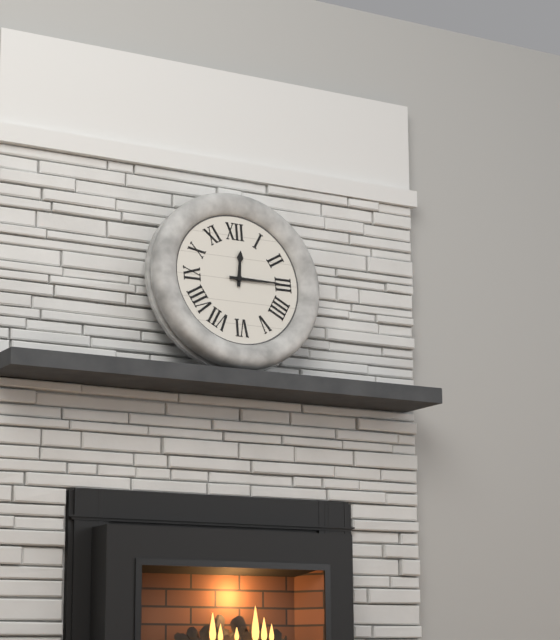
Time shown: **12:15**
